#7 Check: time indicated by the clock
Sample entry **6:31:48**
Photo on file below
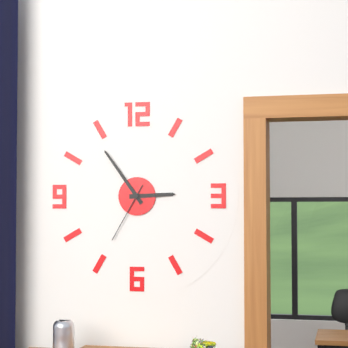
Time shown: **2:54:35**
